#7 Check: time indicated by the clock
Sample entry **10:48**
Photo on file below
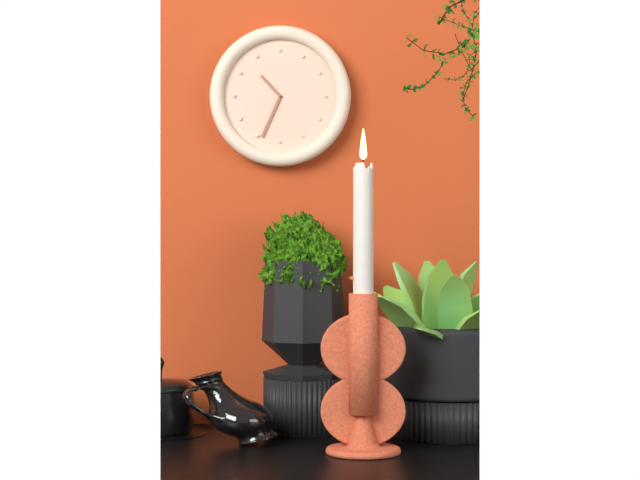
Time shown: **10:34**
